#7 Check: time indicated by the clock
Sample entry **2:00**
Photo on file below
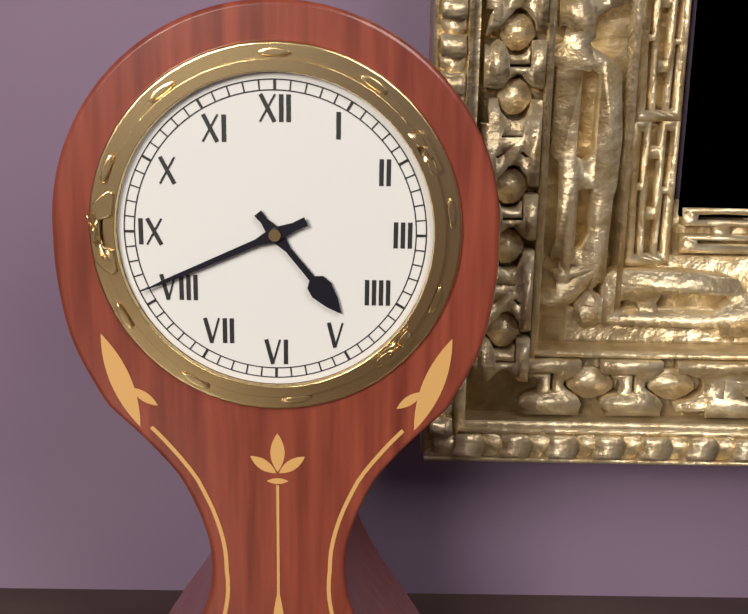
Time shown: **4:41**
